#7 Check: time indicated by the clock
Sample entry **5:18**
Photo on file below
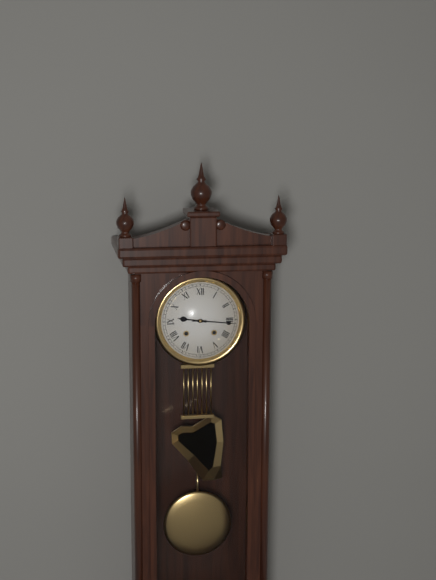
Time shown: **9:16**
